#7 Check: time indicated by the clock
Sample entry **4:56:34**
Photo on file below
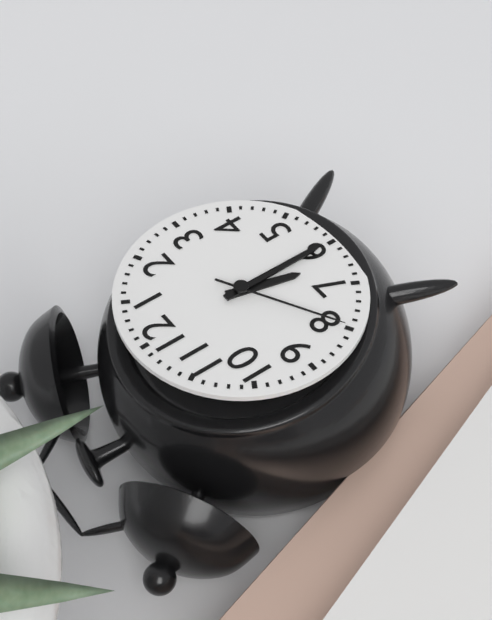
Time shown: **6:30:40**
